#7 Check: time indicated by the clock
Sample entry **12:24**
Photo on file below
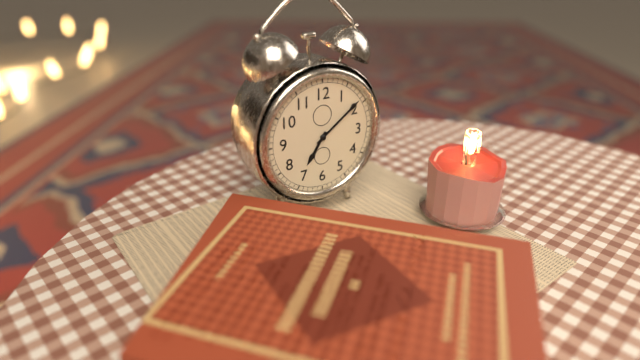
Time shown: **7:09**
